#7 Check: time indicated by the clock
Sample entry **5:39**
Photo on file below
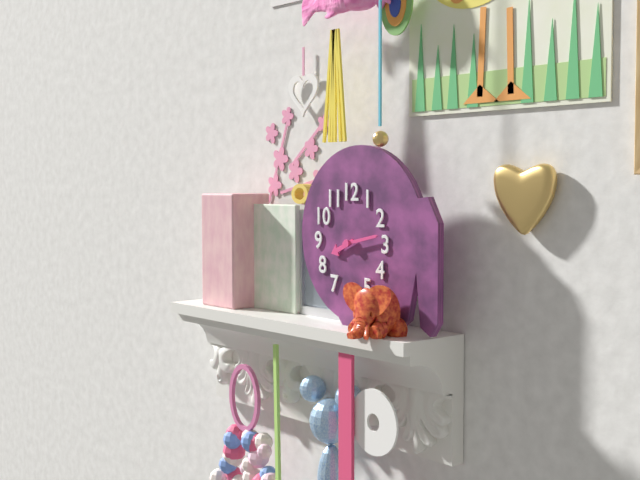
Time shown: **8:13**
